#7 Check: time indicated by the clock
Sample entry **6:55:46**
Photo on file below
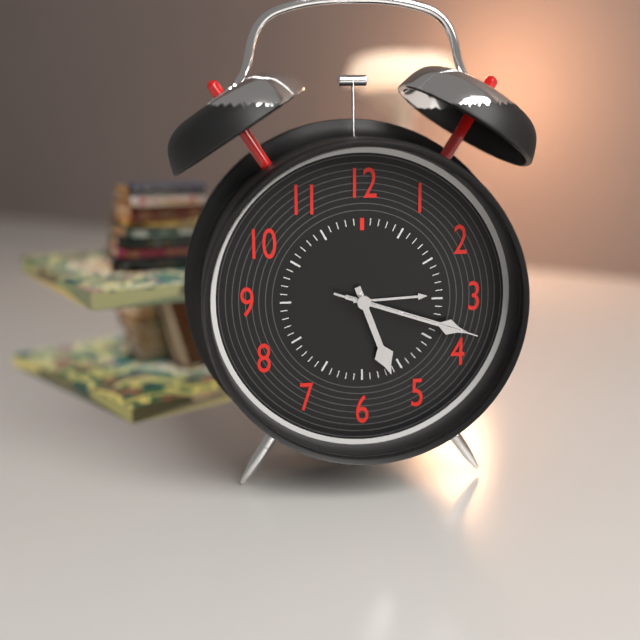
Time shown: **5:18:18**
